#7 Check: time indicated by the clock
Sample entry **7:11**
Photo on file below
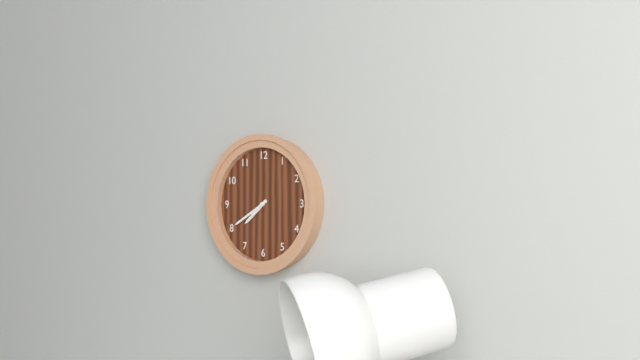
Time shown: **7:40**
